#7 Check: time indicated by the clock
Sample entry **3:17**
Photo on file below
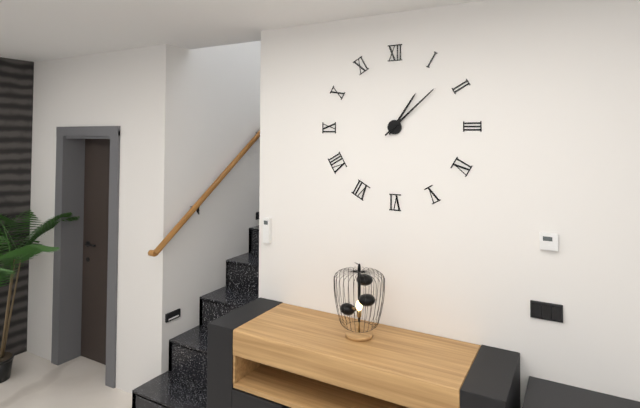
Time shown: **1:08**
